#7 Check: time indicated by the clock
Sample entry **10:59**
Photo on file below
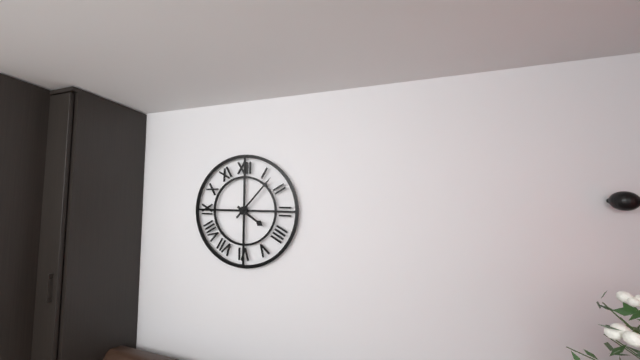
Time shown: **4:07**
